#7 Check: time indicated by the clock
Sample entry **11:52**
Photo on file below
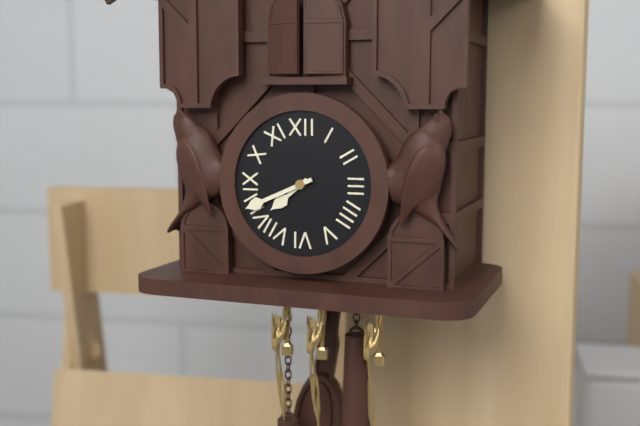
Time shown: **7:41**
